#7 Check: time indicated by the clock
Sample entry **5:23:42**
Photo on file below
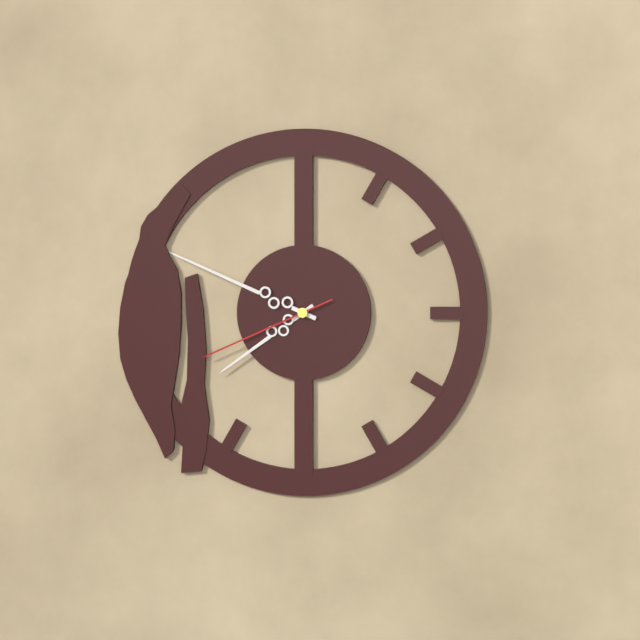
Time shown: **7:49:41**
